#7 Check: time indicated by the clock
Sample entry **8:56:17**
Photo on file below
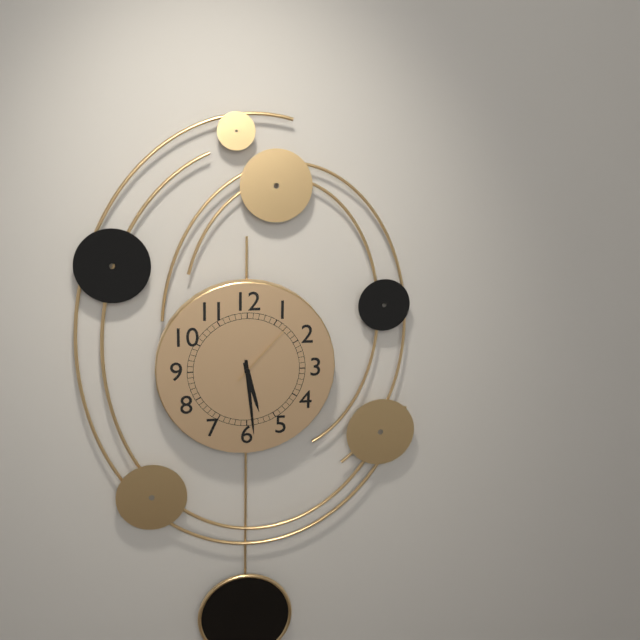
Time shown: **5:29:07**
